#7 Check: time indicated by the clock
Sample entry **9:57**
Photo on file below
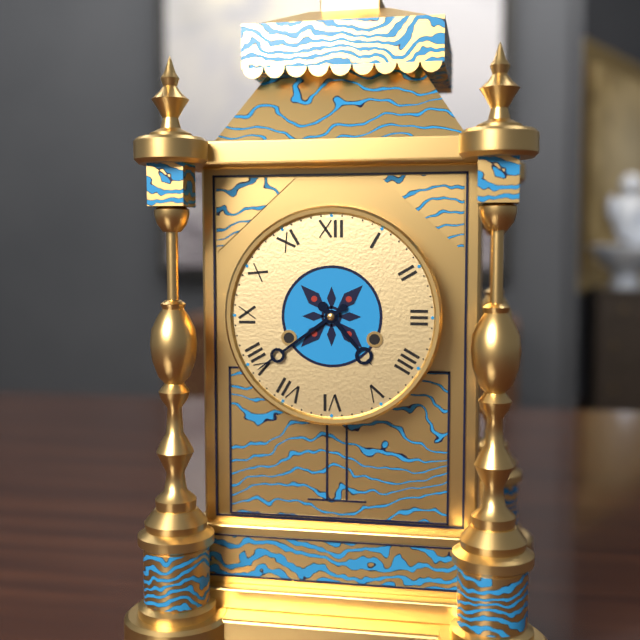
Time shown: **4:39**
